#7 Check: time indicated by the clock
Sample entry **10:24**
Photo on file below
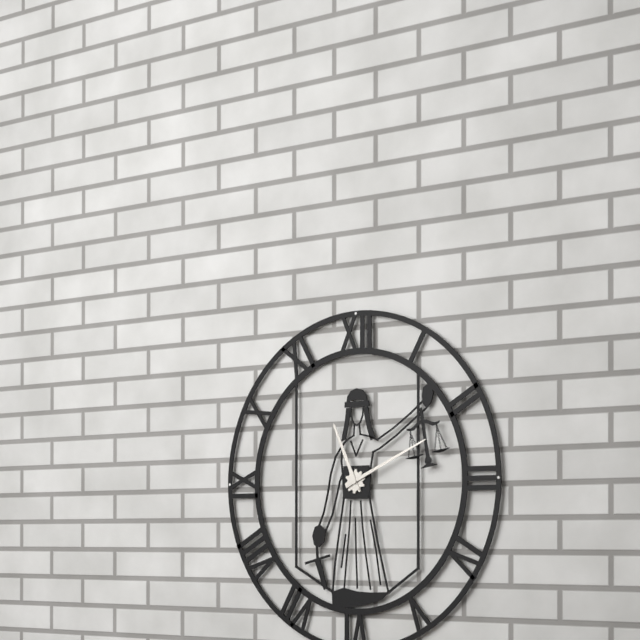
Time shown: **11:11**
